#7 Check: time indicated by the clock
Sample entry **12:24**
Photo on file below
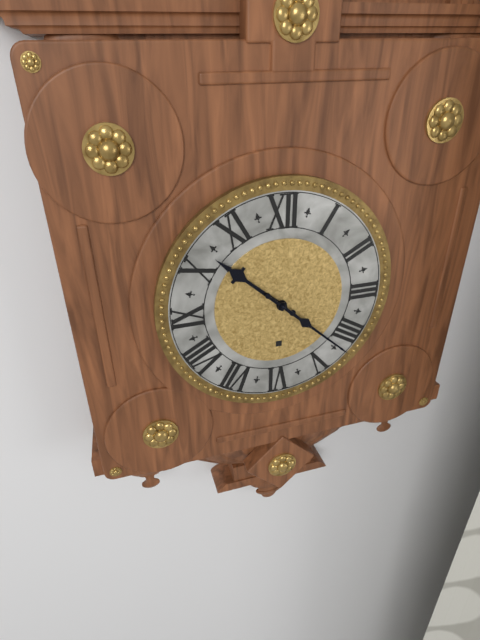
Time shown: **10:22**
